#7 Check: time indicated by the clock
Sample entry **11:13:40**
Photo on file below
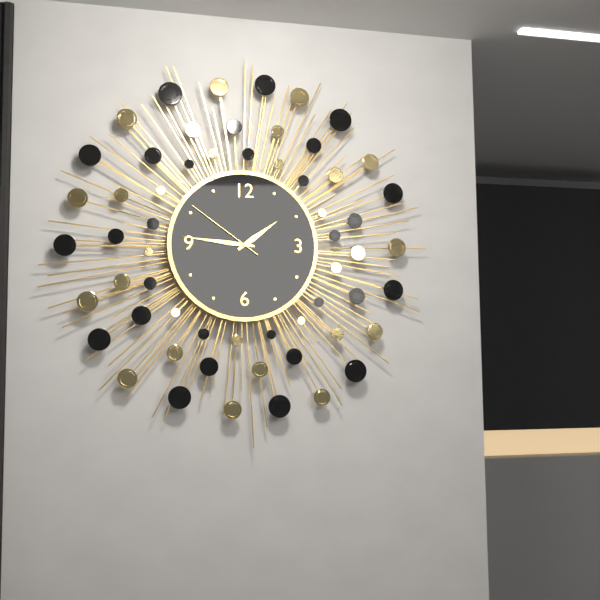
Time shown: **1:46:51**
